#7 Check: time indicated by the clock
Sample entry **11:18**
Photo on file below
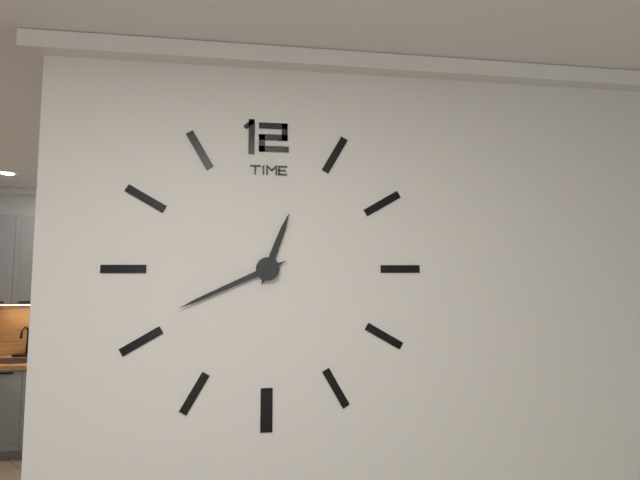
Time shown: **12:41**
